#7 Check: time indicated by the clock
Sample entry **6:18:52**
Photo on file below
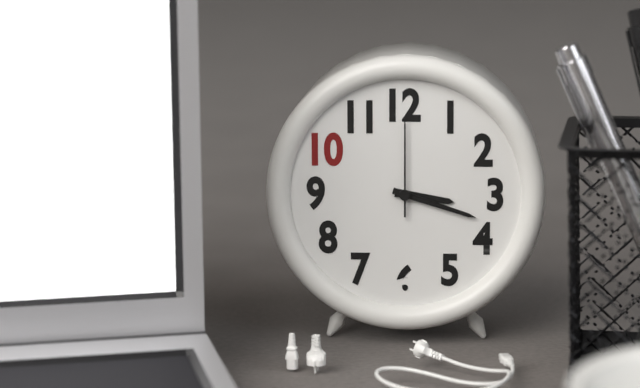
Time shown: **3:18:00**
